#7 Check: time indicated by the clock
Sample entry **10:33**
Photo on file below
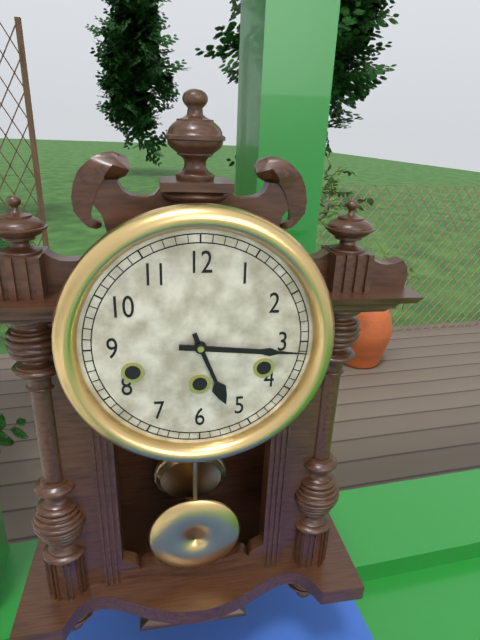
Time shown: **5:16**
